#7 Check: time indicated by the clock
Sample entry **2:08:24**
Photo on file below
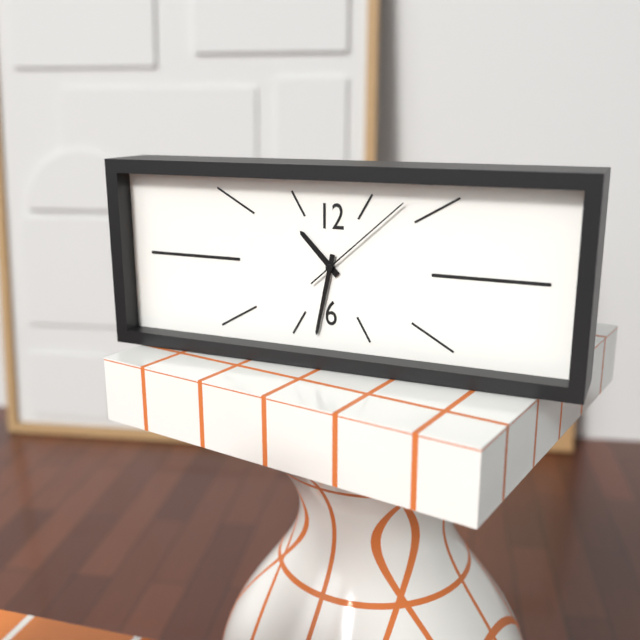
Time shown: **10:32:08**
